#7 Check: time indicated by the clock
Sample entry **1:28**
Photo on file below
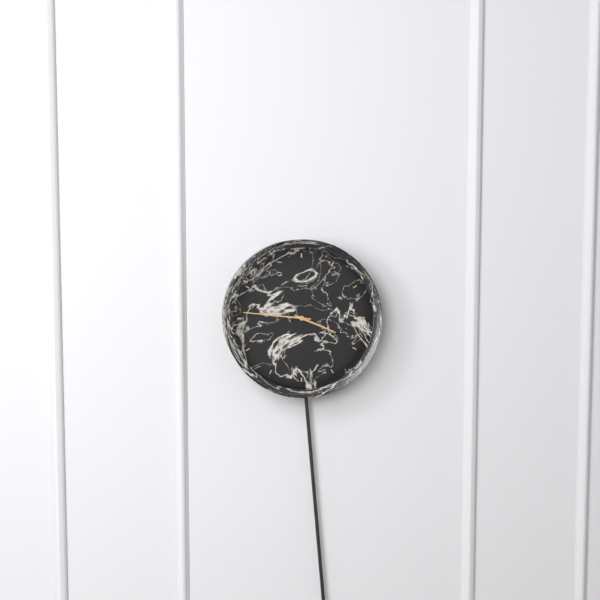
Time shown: **3:46**
